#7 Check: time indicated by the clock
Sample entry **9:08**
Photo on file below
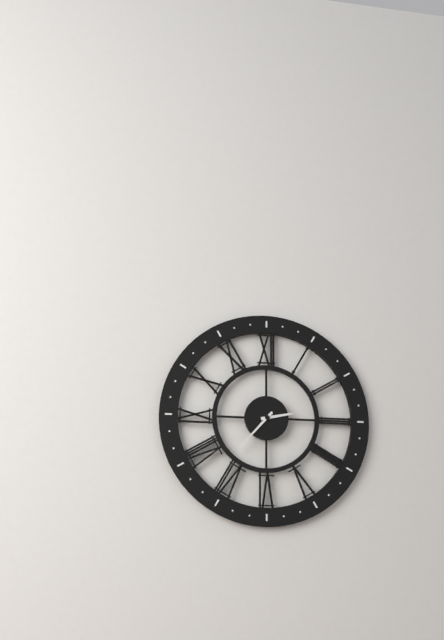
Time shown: **2:37**
